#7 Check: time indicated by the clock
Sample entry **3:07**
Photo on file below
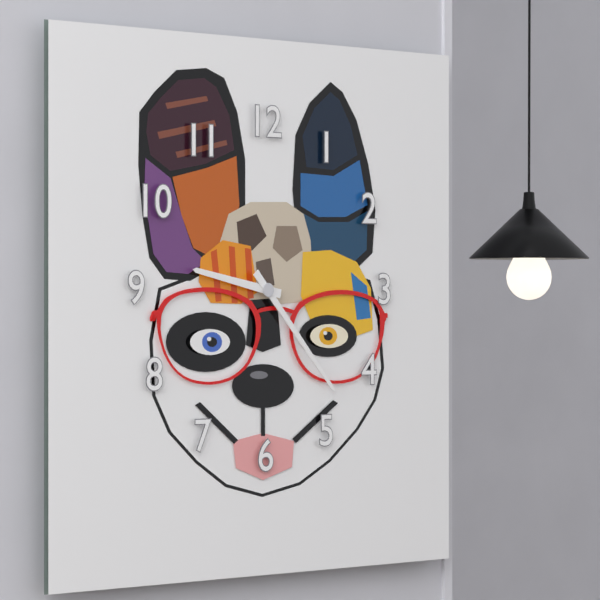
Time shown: **9:23**
